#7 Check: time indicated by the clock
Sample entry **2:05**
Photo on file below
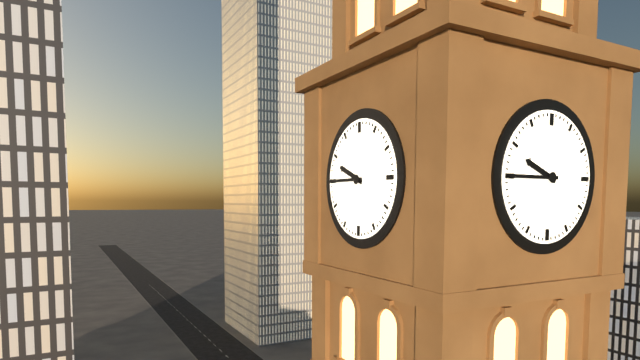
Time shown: **9:45**
